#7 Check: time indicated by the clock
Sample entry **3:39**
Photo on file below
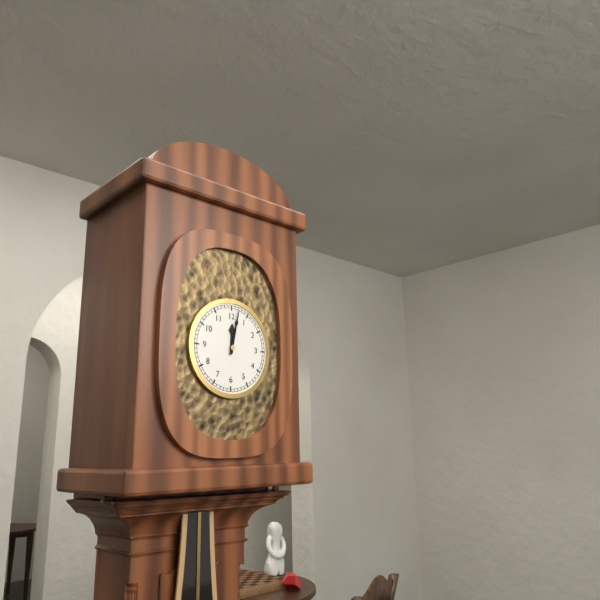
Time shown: **12:02**
